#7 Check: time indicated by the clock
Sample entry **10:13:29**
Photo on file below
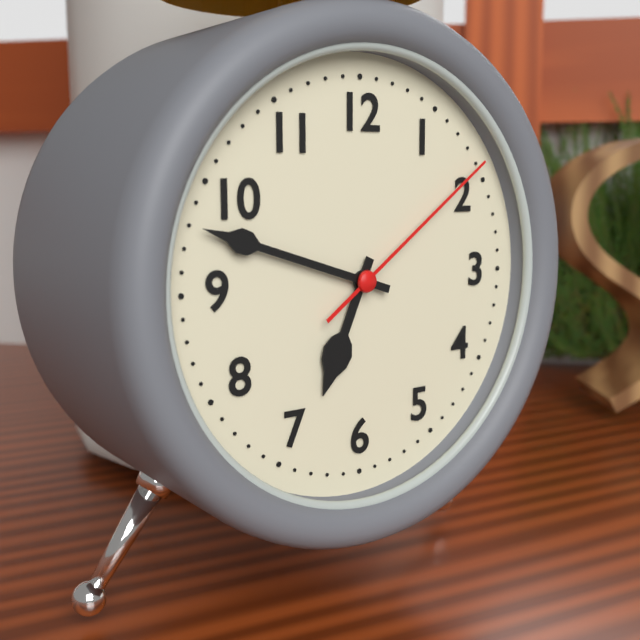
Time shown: **6:48:09**
